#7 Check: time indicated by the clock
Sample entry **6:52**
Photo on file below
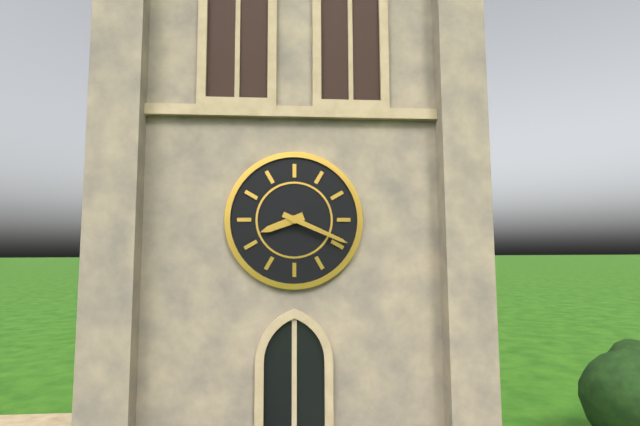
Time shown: **8:19**
